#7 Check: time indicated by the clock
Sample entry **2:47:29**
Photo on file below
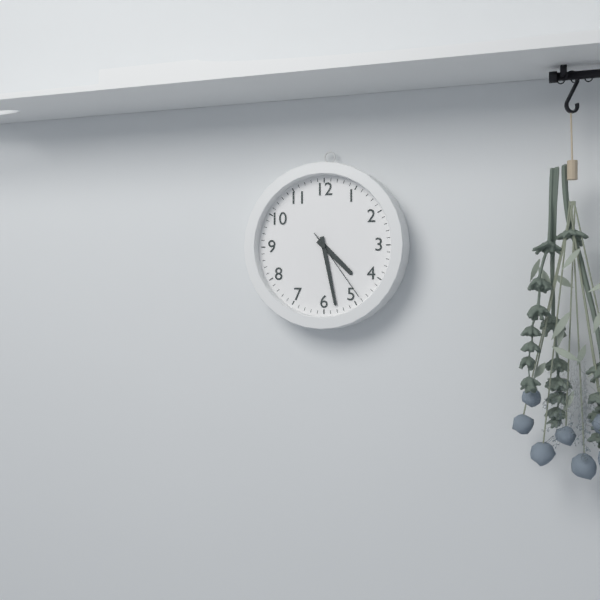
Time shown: **4:28:24**
